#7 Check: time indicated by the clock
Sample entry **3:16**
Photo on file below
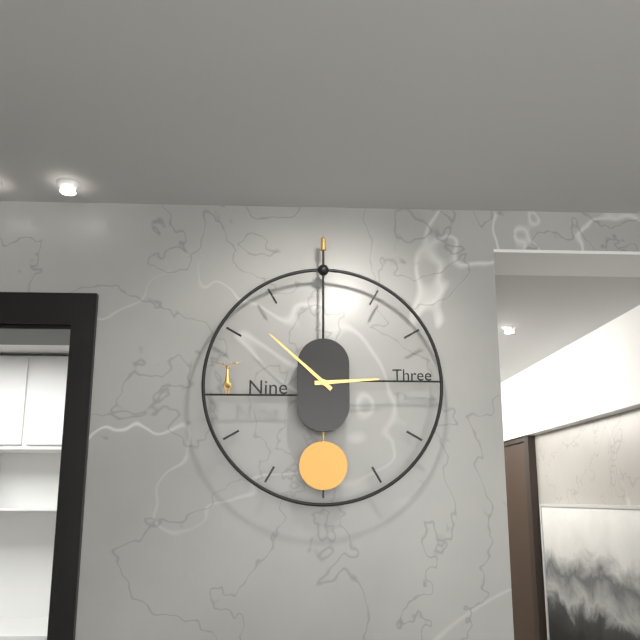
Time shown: **2:52**
